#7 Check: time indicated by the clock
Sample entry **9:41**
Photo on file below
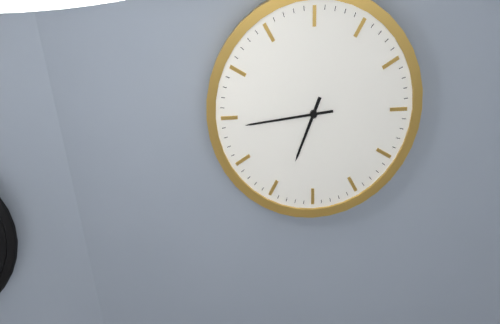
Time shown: **6:44**
